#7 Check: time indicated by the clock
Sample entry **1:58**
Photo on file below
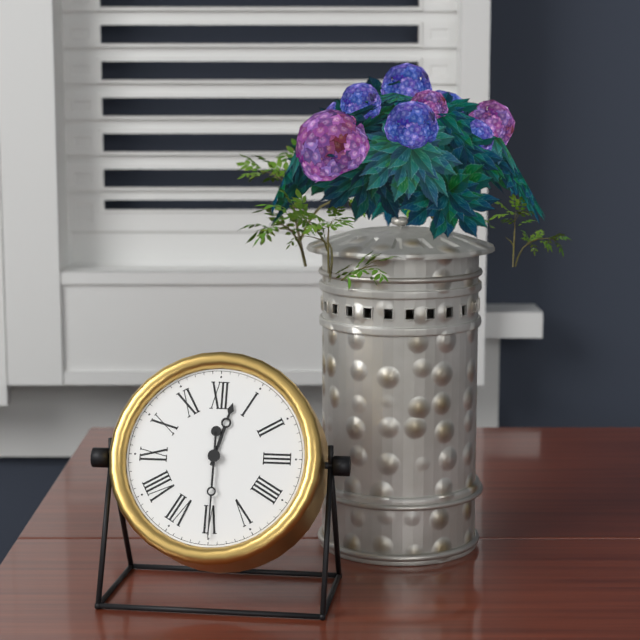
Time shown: **12:30**
